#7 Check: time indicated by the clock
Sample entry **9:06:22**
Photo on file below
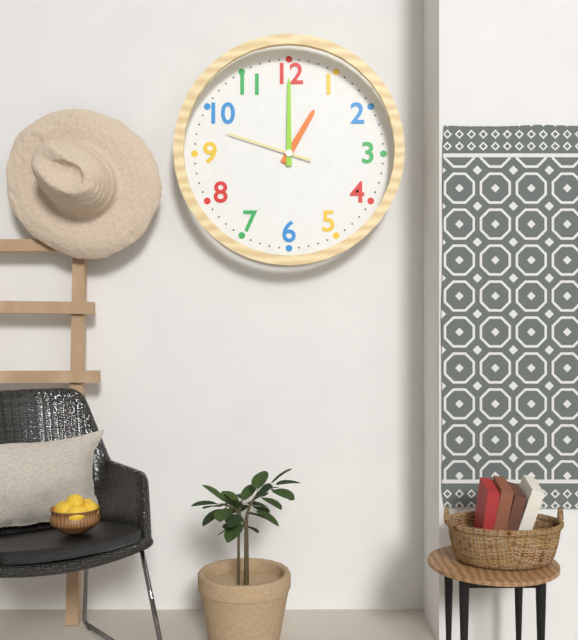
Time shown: **1:00:48**
